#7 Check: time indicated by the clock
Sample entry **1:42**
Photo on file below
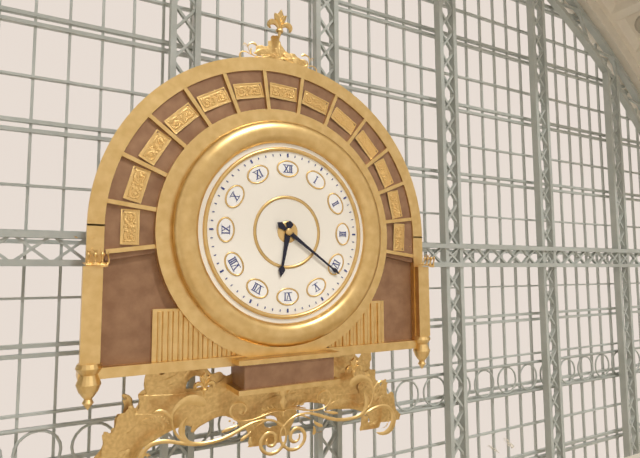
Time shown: **6:21**
